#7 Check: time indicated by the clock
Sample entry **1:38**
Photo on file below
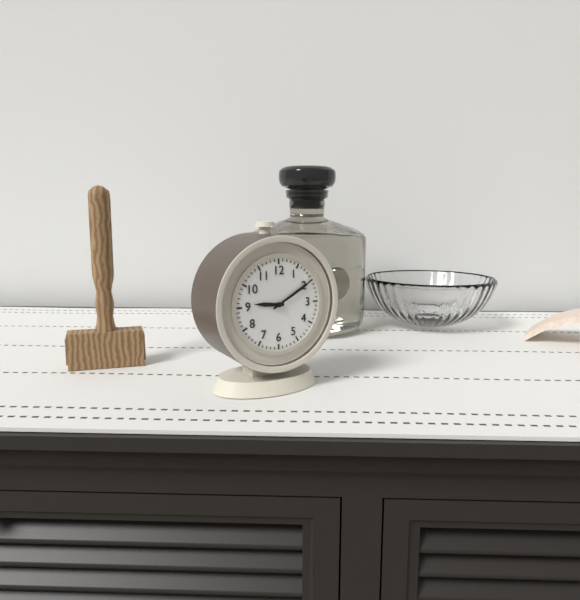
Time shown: **9:10**
